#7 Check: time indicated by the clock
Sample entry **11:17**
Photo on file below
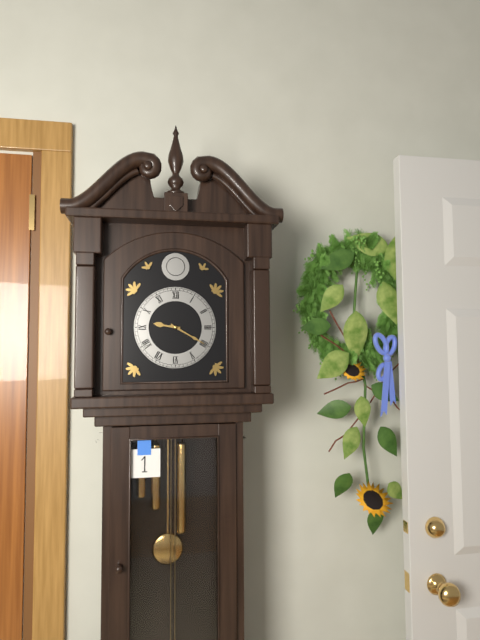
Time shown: **9:20**
